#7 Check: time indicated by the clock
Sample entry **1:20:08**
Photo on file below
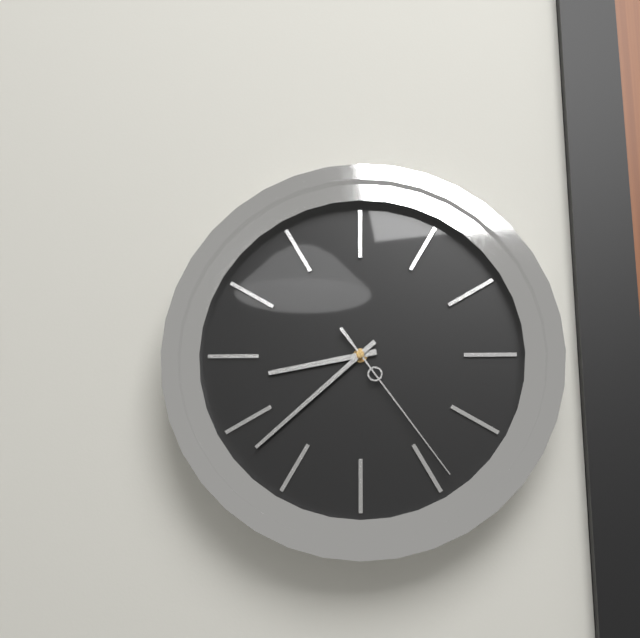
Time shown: **8:38:24**
